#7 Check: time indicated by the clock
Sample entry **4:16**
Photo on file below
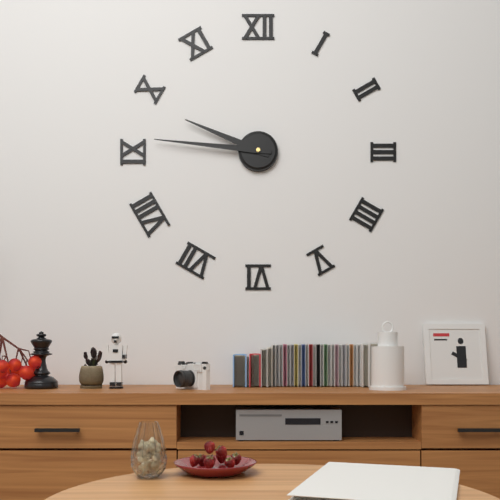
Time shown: **9:46**
